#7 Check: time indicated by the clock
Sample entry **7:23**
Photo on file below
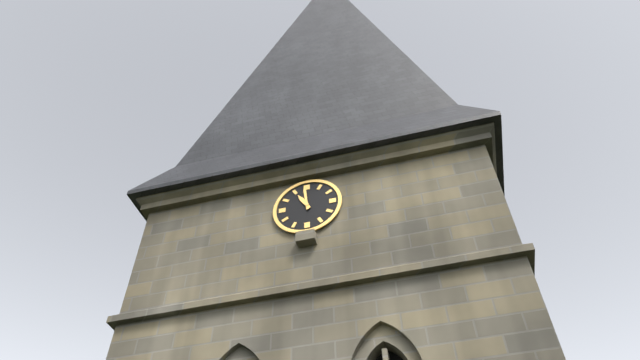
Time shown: **10:59**
